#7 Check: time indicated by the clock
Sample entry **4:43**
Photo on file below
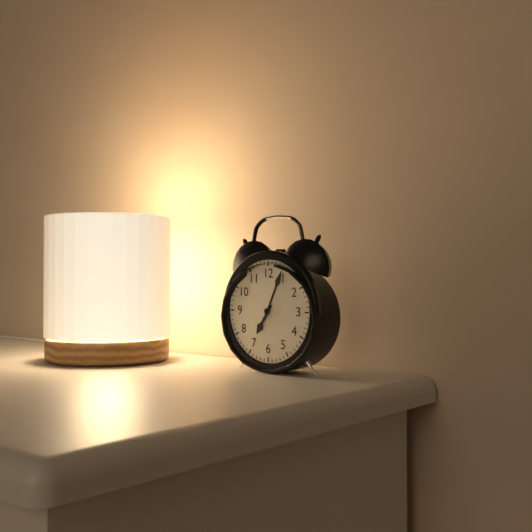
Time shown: **7:04**
